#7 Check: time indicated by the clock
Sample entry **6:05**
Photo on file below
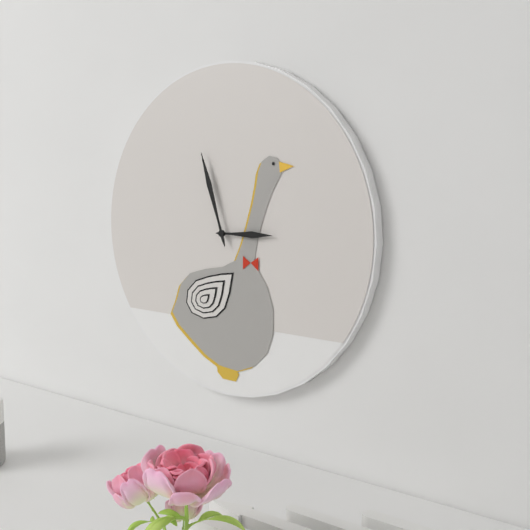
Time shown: **2:57**
